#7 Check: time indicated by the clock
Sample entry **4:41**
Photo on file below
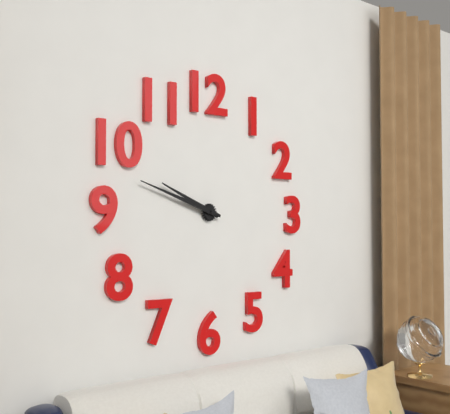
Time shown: **9:48**
